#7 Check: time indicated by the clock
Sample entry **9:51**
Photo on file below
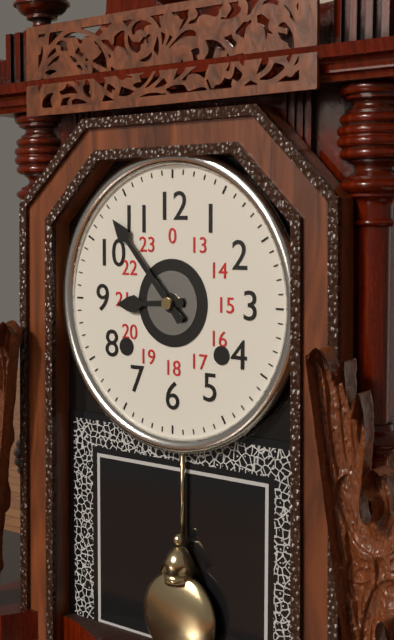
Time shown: **8:53**
